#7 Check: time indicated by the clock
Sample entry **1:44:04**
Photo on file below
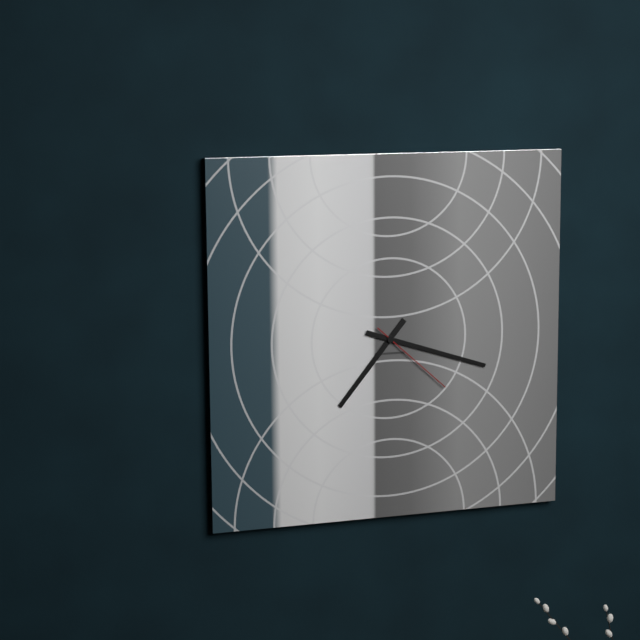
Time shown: **7:18:22**
